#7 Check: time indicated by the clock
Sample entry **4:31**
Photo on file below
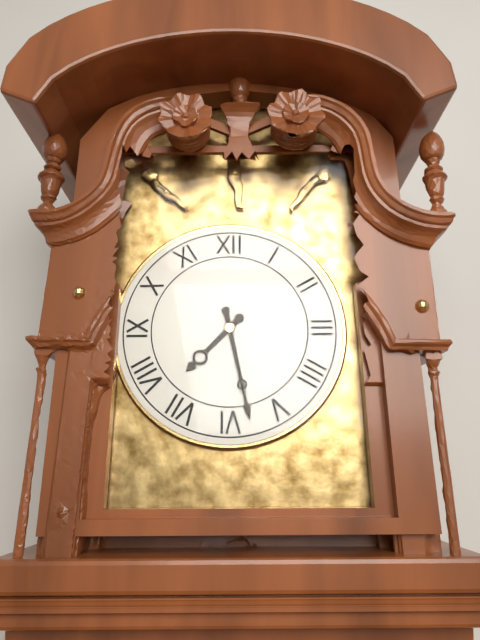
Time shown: **7:28**
